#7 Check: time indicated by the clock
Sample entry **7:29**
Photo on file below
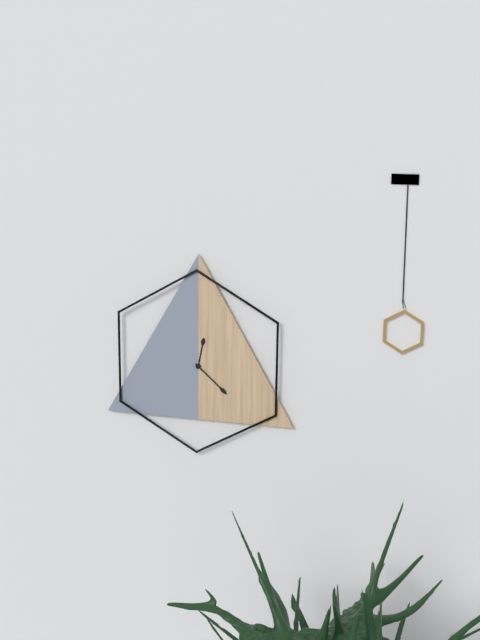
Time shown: **12:22**
